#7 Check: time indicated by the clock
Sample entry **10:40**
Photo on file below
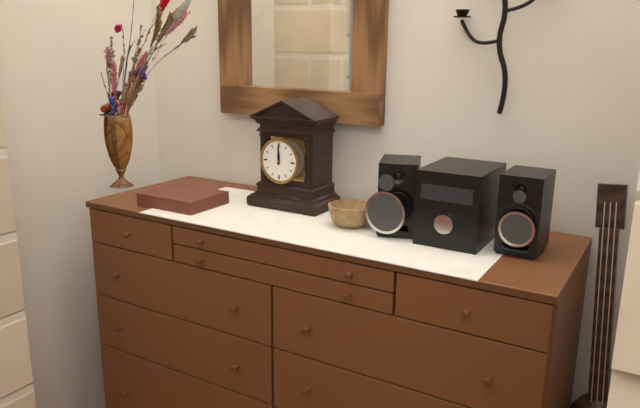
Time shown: **12:00**
